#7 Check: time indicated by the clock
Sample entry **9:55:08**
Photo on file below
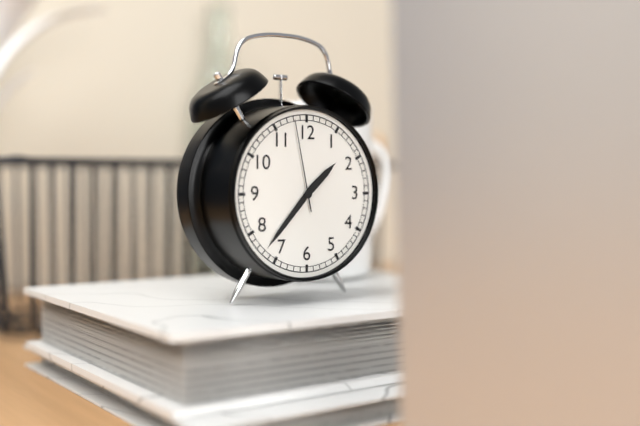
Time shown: **1:37:58**
